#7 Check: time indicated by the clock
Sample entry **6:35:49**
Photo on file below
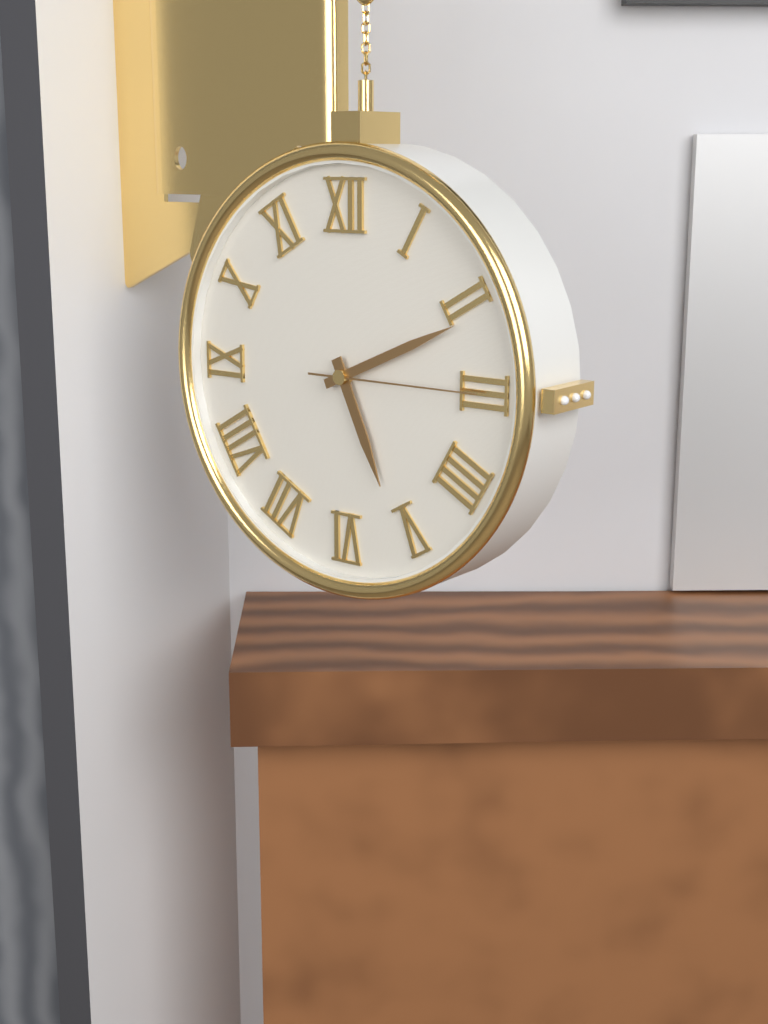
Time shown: **5:11:15**
